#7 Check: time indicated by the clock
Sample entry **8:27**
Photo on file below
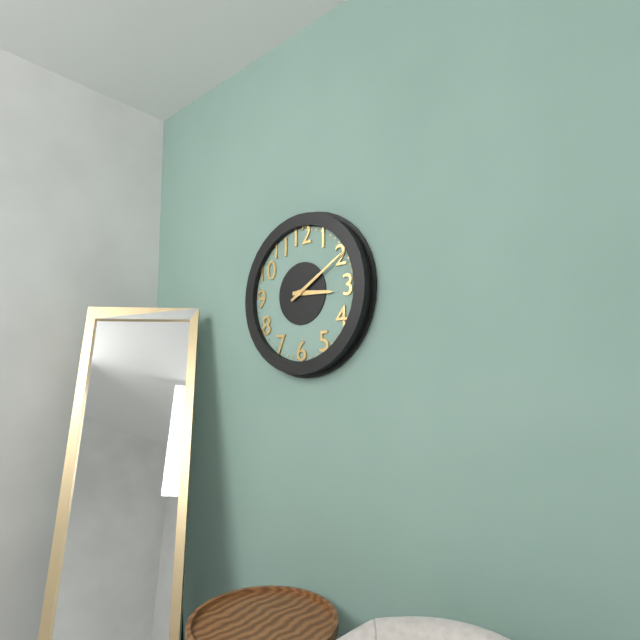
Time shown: **3:10**
